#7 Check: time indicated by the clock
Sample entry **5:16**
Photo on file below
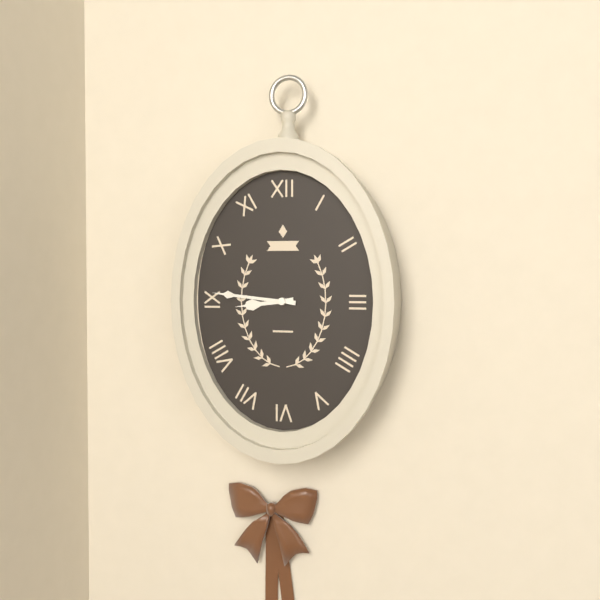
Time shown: **8:46**
